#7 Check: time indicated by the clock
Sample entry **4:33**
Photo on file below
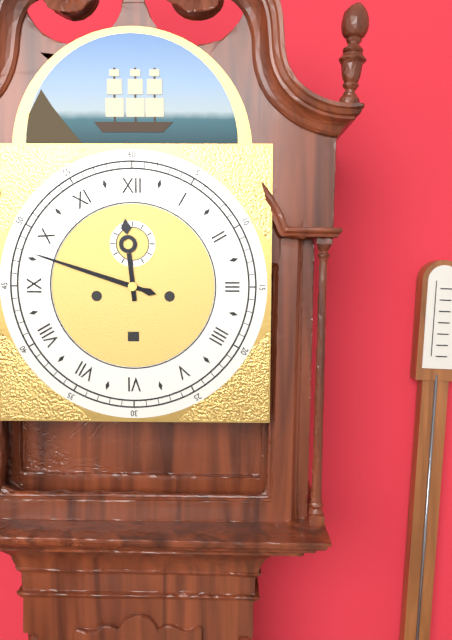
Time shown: **11:48**
